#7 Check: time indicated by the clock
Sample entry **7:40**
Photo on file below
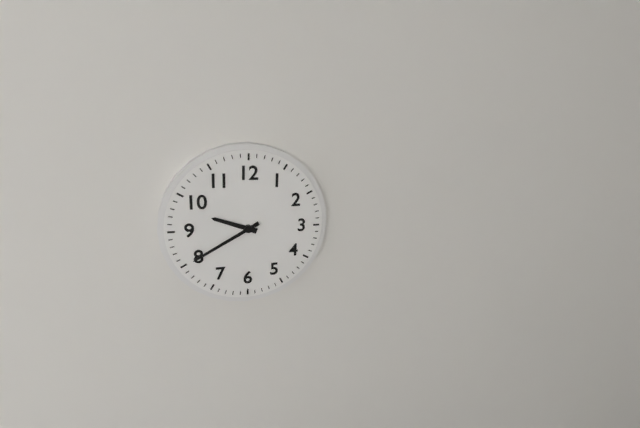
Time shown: **9:40**
